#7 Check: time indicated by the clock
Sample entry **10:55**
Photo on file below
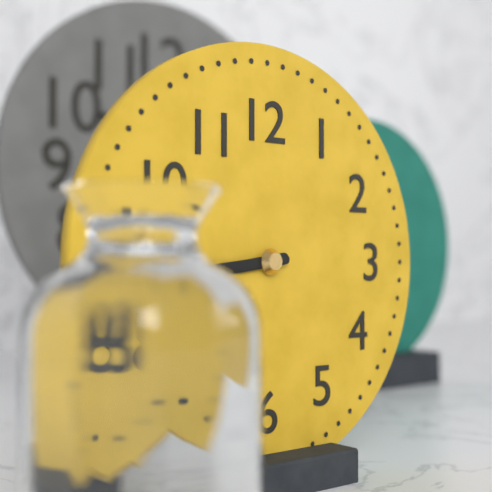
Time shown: **8:44**
